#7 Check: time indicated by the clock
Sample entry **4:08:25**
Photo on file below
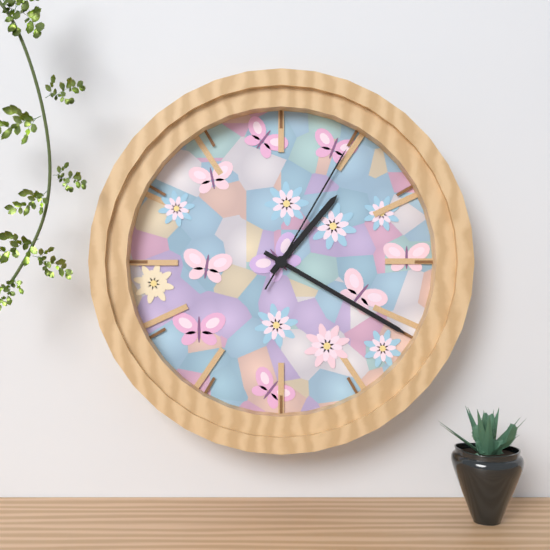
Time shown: **1:20:05**
